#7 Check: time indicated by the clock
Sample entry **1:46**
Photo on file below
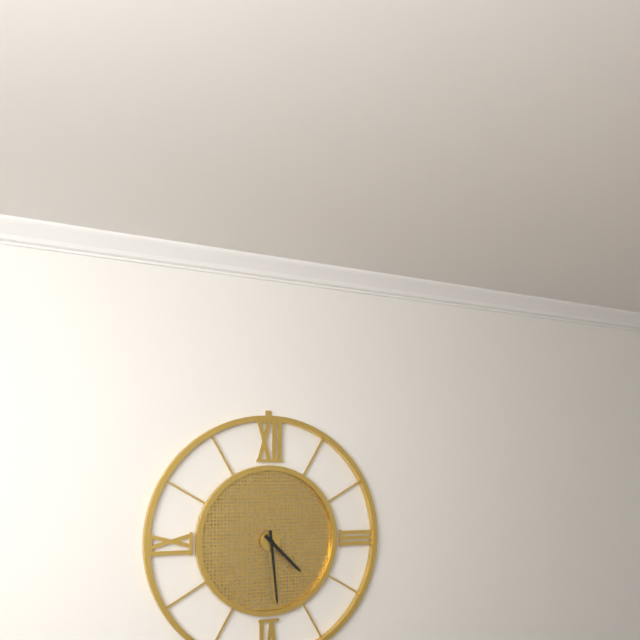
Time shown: **4:29**
